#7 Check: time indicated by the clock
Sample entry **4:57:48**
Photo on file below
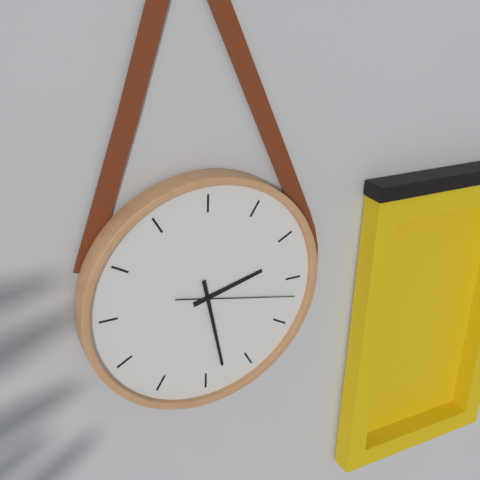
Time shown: **2:28:17**
